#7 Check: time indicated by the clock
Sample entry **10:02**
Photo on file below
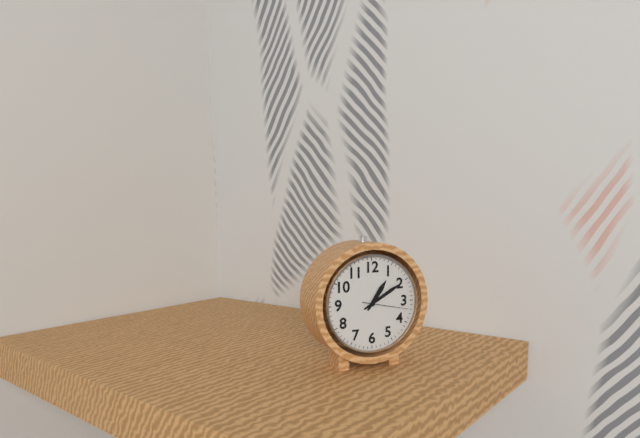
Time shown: **1:10**
